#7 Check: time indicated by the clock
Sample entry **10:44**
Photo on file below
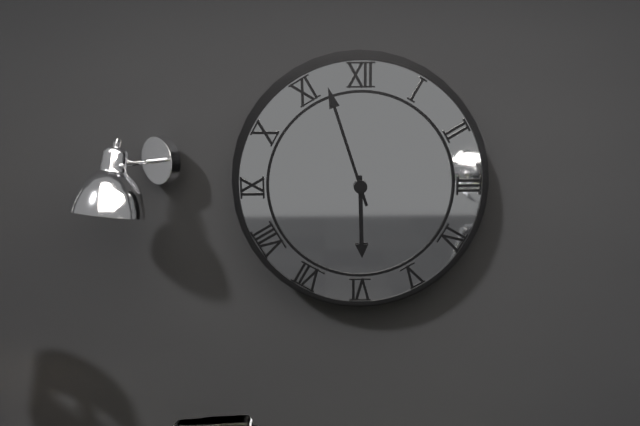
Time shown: **5:57**
